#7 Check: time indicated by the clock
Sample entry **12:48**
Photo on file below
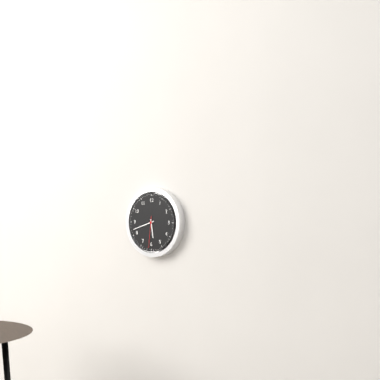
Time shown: **5:42**
